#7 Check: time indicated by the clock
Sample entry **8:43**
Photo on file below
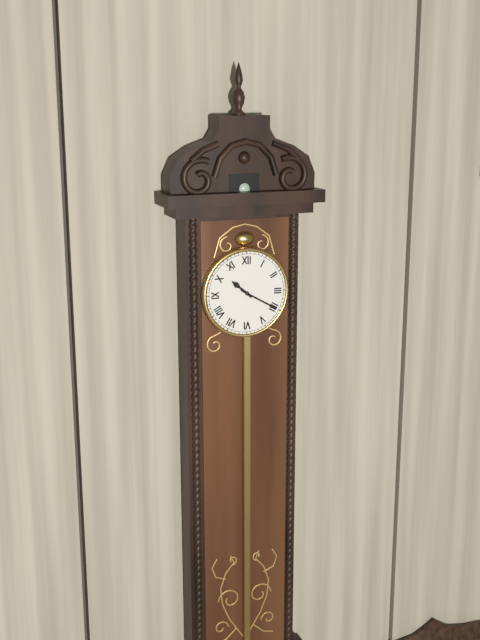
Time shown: **10:20**
